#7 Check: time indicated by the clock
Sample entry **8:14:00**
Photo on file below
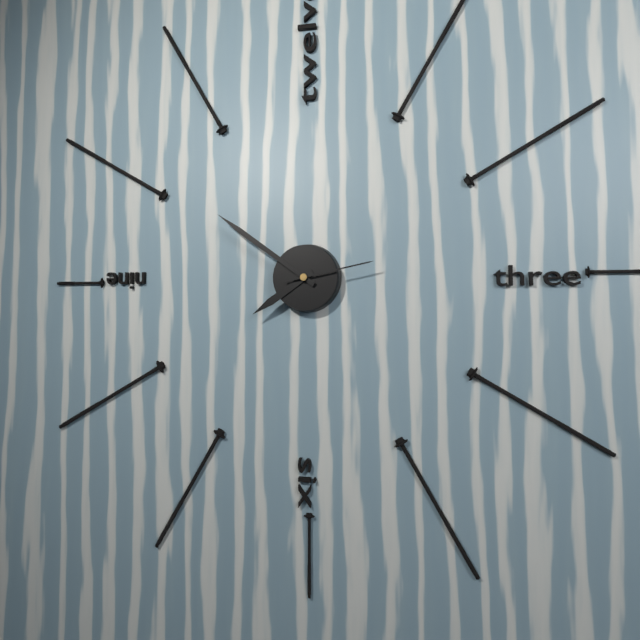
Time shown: **7:51:13**
